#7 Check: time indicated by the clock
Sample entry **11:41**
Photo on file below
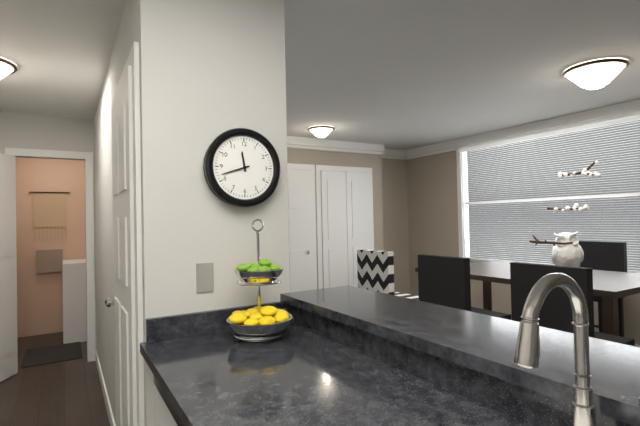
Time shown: **11:42**
